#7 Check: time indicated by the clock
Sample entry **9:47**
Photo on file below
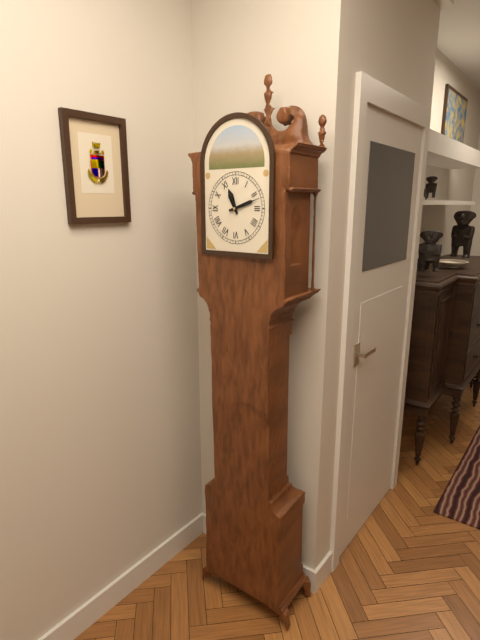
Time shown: **11:12**
